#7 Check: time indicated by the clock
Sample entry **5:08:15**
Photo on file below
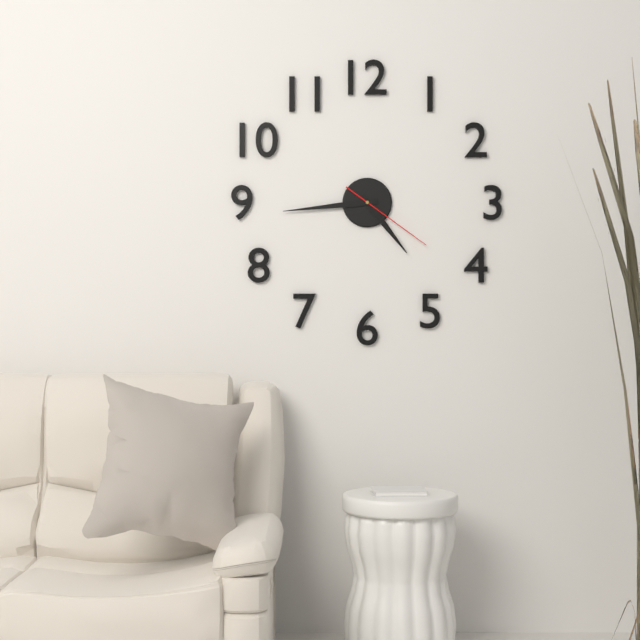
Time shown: **4:44:21**
